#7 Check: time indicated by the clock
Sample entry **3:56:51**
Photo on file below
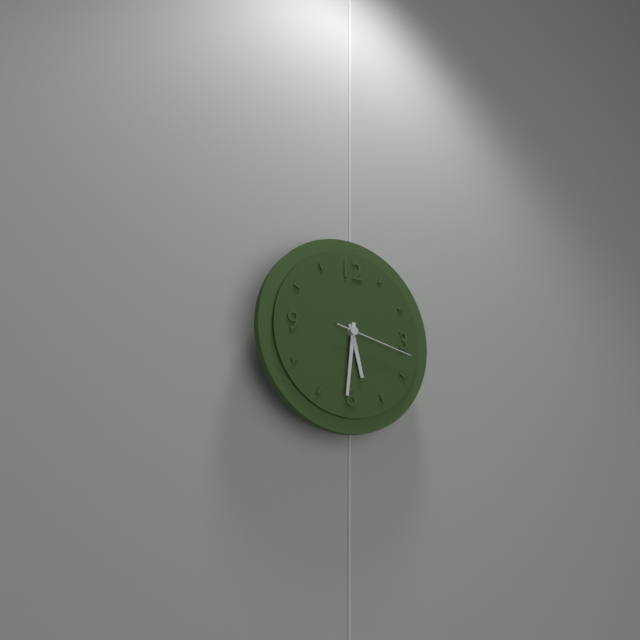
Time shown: **5:31:17**
